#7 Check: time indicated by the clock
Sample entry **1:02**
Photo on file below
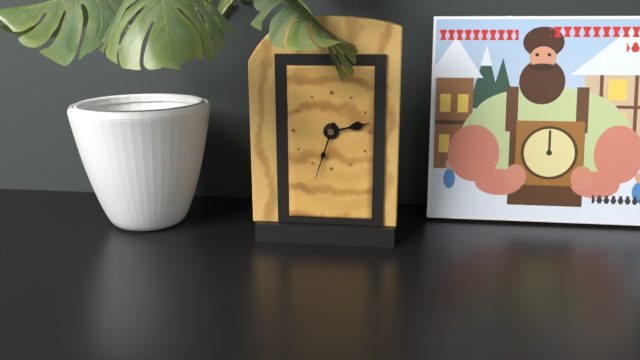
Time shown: **2:33**
